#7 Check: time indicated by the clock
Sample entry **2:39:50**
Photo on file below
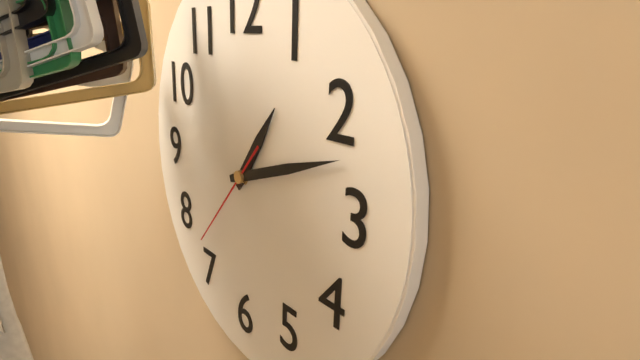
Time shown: **1:12:37**
